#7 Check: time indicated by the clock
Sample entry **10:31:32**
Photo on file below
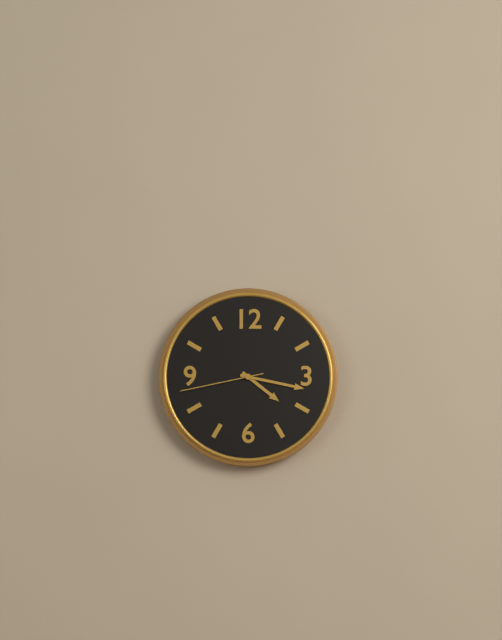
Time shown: **4:17:43**
